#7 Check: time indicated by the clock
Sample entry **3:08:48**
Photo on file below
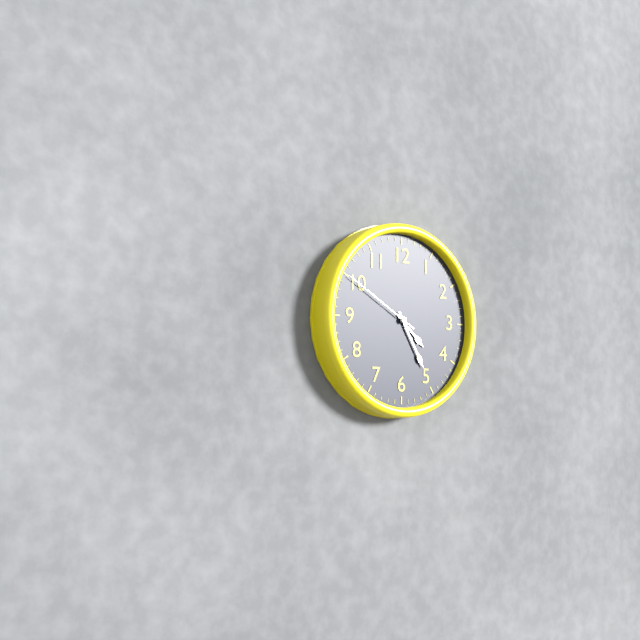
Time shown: **4:25:50**
